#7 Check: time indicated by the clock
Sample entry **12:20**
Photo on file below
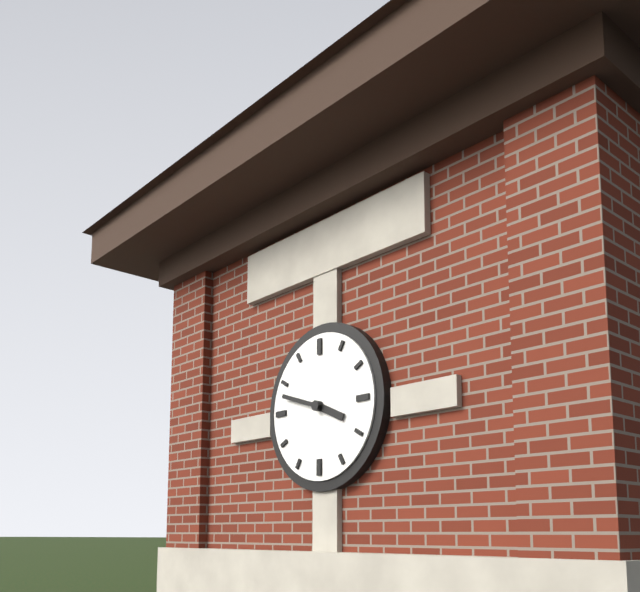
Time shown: **3:48**
